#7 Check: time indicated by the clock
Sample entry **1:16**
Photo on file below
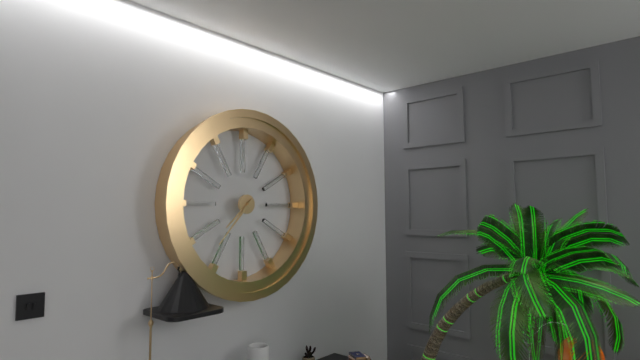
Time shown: **7:37**
